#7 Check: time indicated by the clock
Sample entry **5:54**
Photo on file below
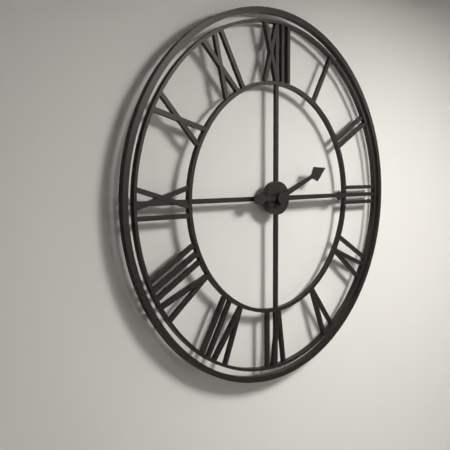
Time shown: **2:15**
